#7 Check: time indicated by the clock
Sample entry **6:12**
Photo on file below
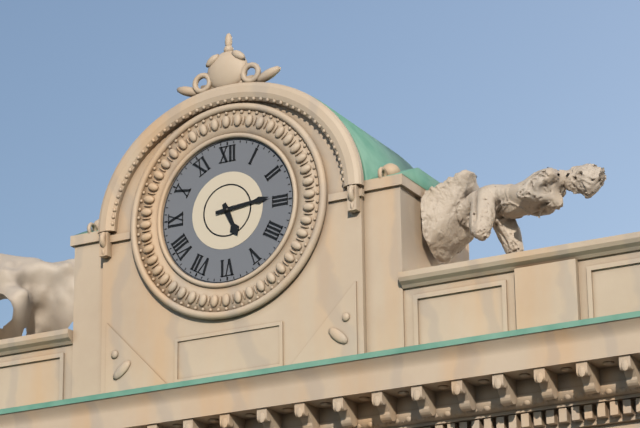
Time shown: **5:14**
